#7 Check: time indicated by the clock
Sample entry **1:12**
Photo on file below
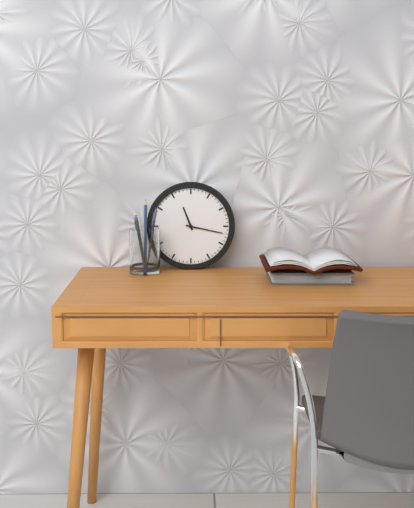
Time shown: **11:17**
